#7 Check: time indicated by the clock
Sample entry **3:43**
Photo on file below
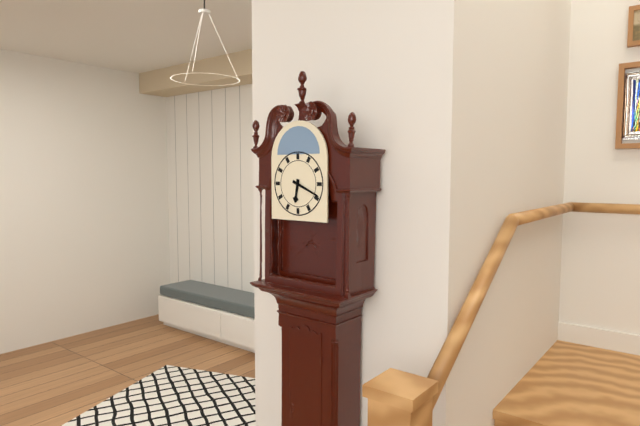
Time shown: **6:19**
